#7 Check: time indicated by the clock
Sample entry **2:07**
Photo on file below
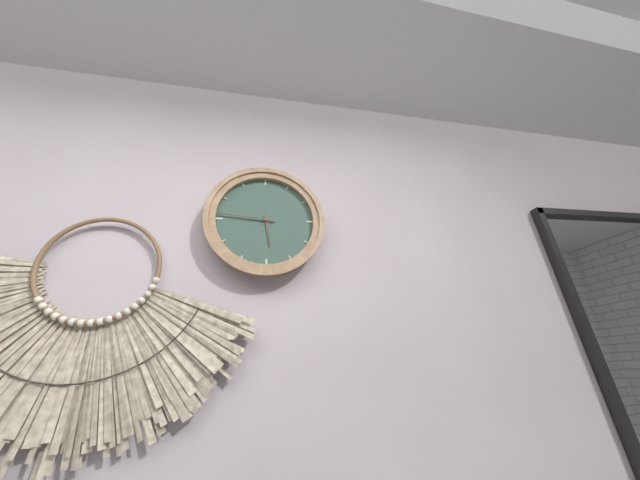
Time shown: **5:46**
